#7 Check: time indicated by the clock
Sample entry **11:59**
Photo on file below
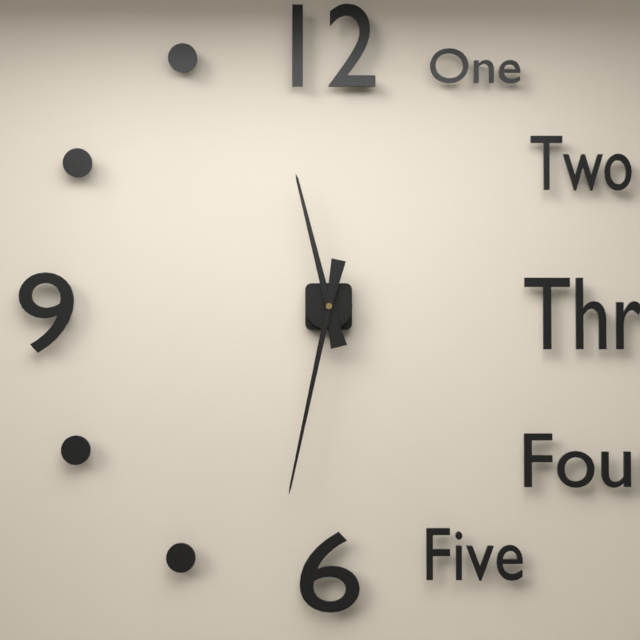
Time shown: **11:32**
